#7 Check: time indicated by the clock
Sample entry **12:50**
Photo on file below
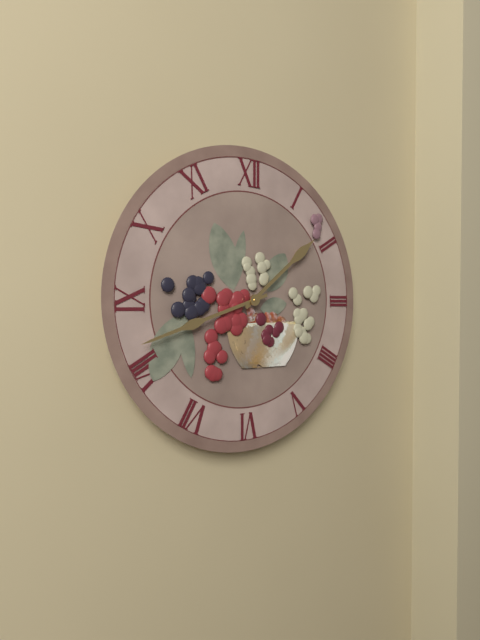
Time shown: **1:42**
